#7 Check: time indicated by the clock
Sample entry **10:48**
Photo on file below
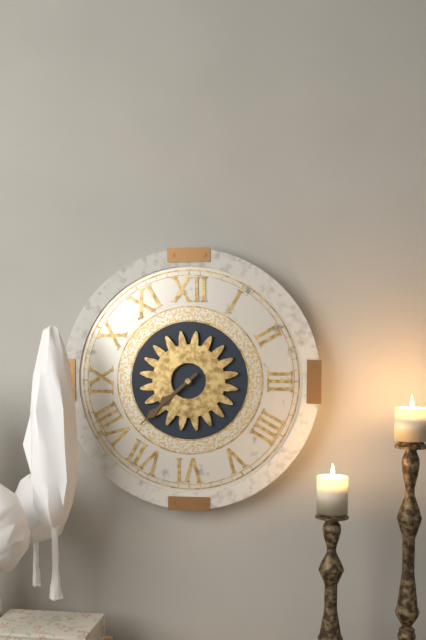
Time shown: **7:38**
